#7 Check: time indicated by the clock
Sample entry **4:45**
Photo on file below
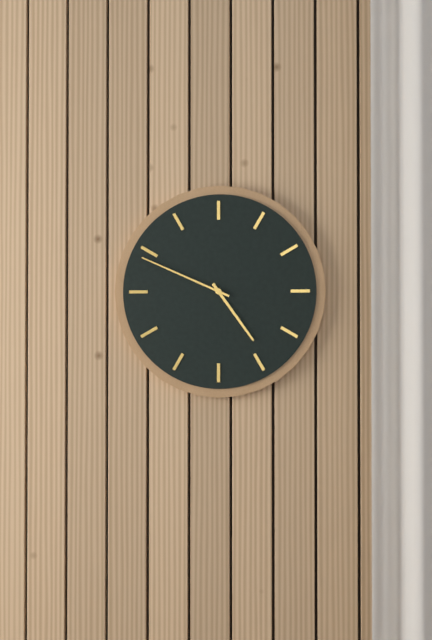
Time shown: **4:49**
